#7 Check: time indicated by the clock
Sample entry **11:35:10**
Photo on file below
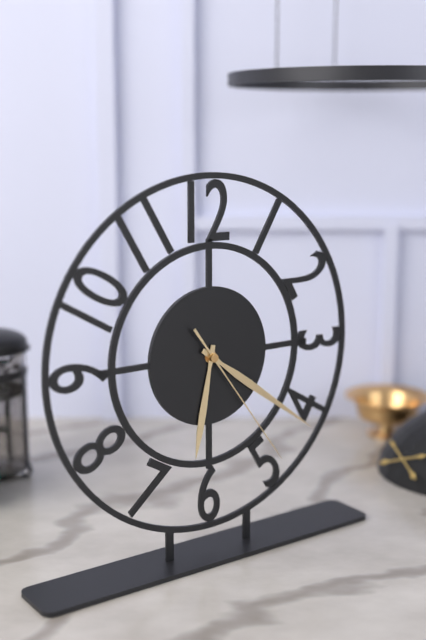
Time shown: **6:21:24**
